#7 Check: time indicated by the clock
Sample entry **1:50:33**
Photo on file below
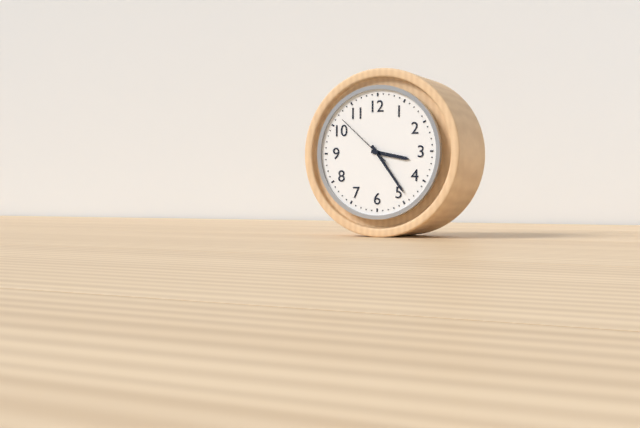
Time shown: **3:24:52**
